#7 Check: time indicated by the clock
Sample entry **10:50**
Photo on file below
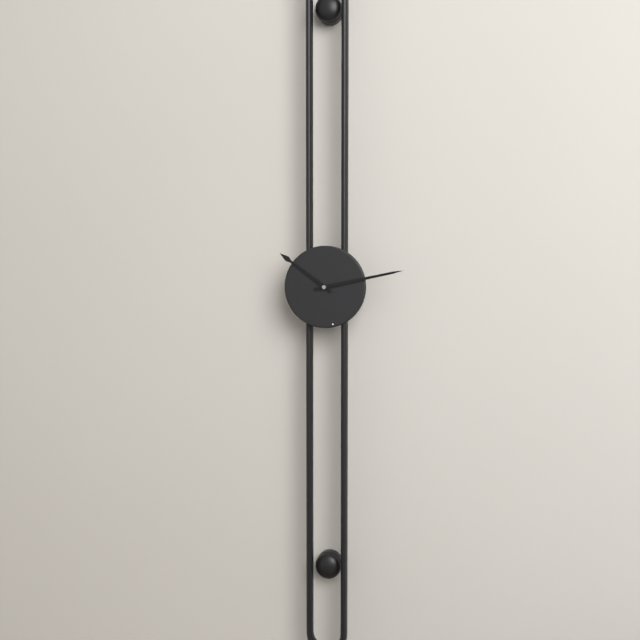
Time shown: **10:13**
